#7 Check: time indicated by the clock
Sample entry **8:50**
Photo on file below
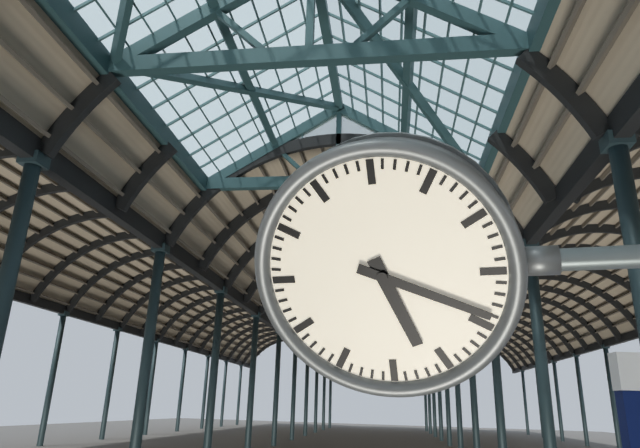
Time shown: **5:19**
